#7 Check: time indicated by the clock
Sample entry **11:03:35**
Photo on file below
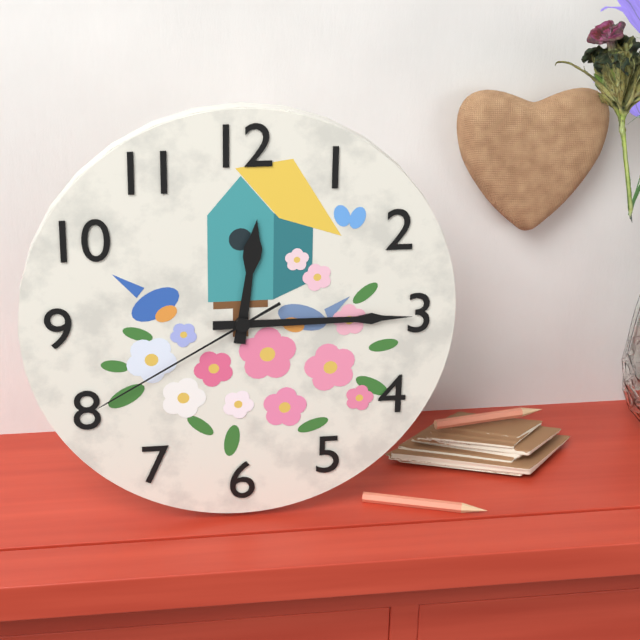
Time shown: **12:15:40**
